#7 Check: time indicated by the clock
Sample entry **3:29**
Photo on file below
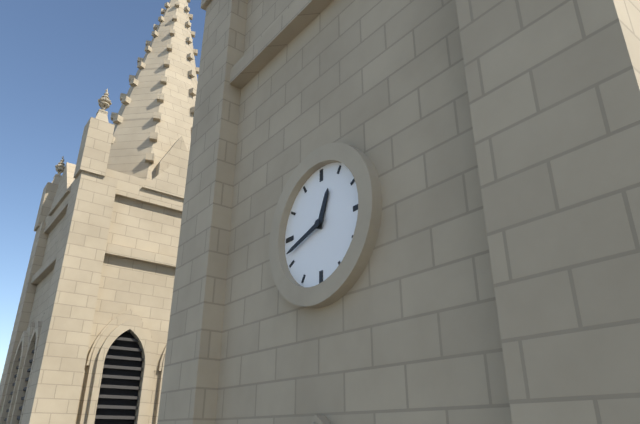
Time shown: **12:42**
